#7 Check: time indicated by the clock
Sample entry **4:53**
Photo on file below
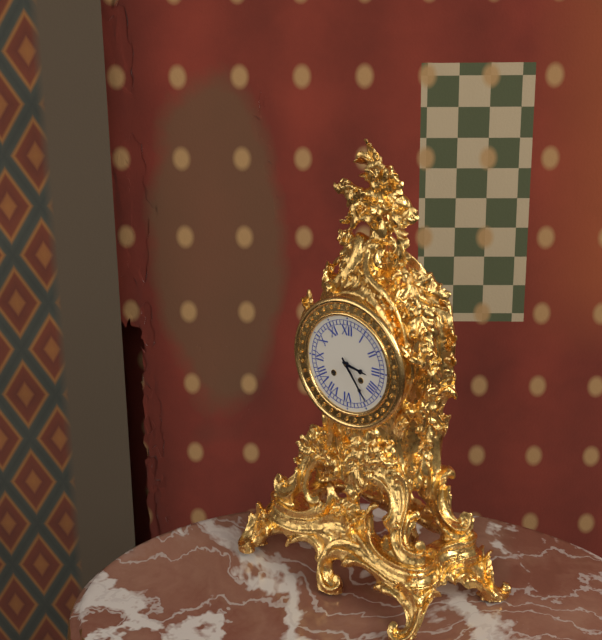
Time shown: **3:24**
